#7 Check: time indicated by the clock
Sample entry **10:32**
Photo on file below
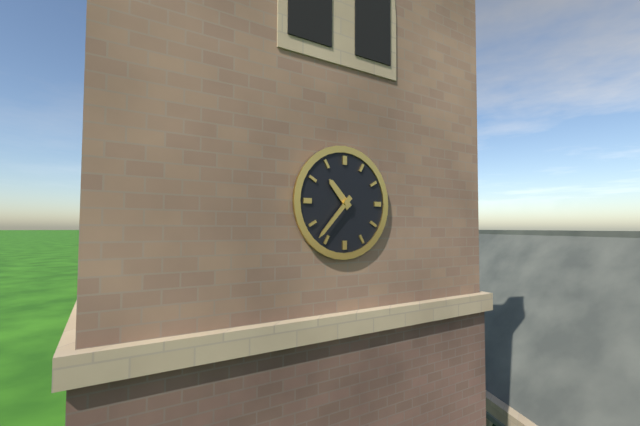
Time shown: **10:37**
